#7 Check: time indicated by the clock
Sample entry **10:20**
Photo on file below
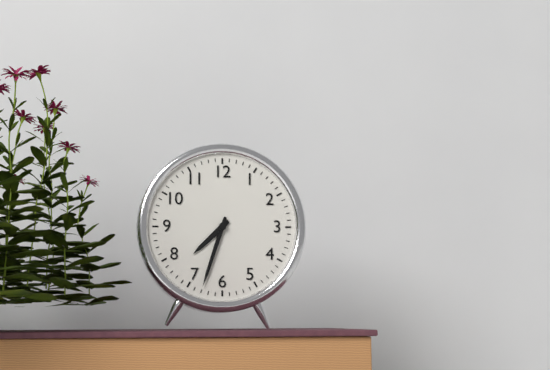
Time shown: **7:33**
